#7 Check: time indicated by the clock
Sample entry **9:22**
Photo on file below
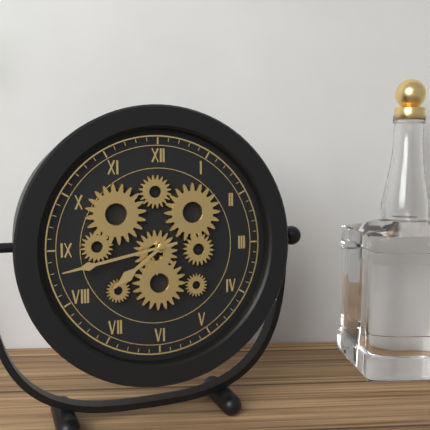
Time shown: **7:43**
